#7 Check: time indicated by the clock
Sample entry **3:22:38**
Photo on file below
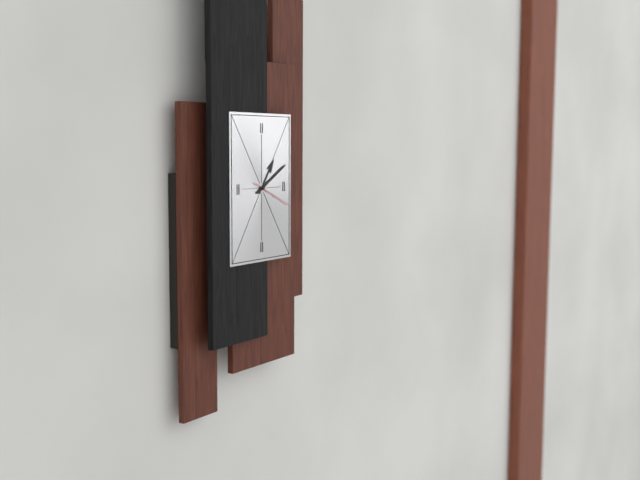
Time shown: **1:10:19**
